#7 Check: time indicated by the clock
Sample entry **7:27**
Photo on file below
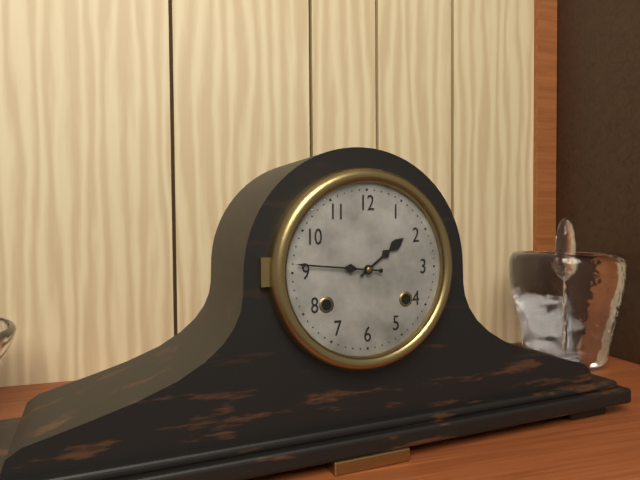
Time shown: **1:46**
